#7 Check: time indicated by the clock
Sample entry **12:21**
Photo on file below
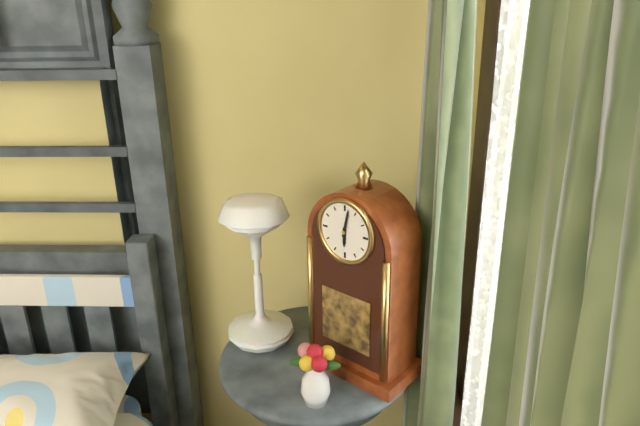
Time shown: **6:02**
